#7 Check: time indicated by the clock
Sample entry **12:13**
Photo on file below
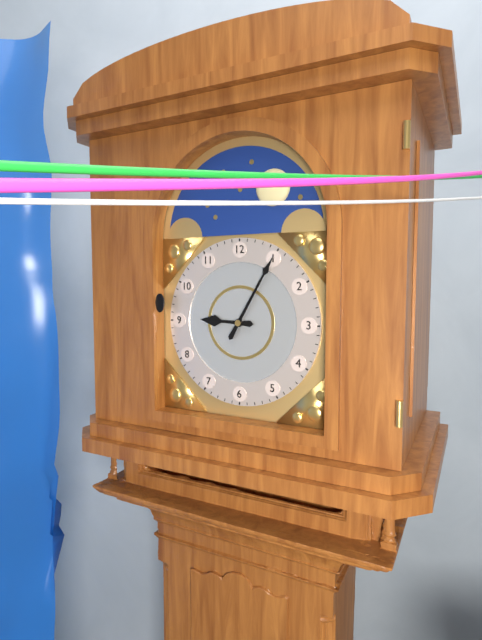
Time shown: **9:05**
